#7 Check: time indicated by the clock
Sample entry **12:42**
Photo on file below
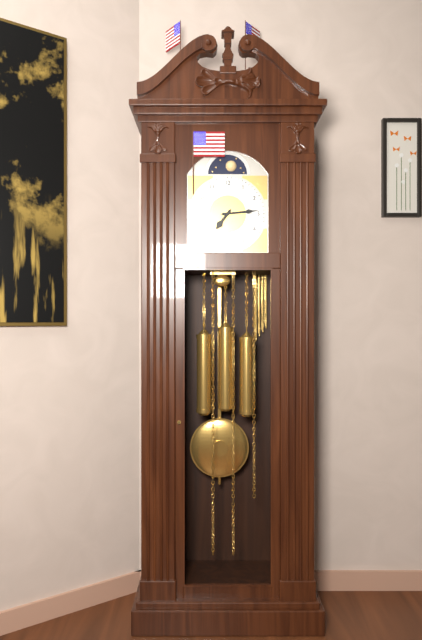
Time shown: **7:14**
